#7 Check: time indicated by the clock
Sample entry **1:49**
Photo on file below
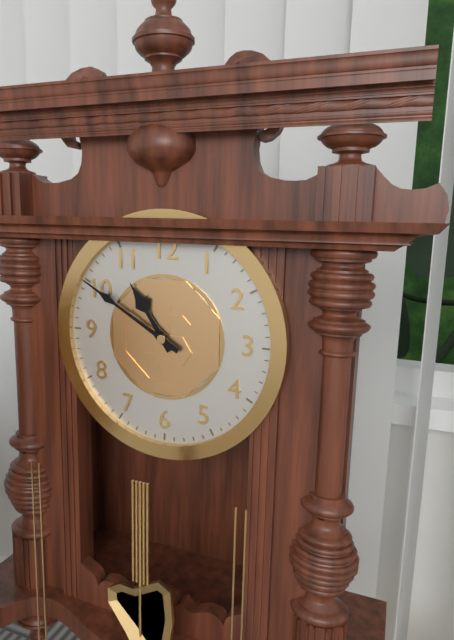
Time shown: **10:50**
